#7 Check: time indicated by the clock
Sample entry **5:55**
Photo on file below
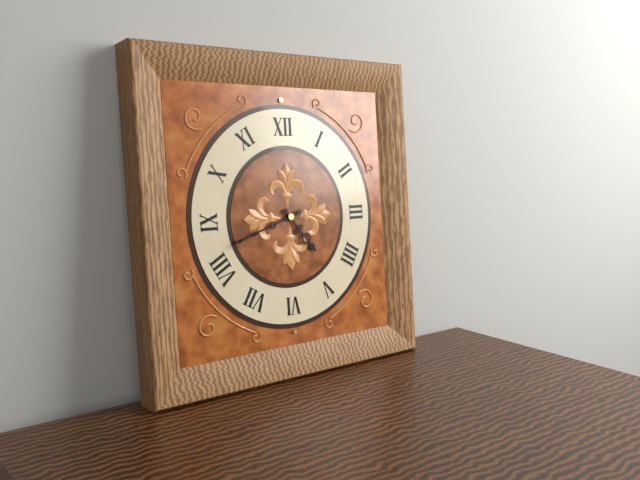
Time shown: **4:42**
